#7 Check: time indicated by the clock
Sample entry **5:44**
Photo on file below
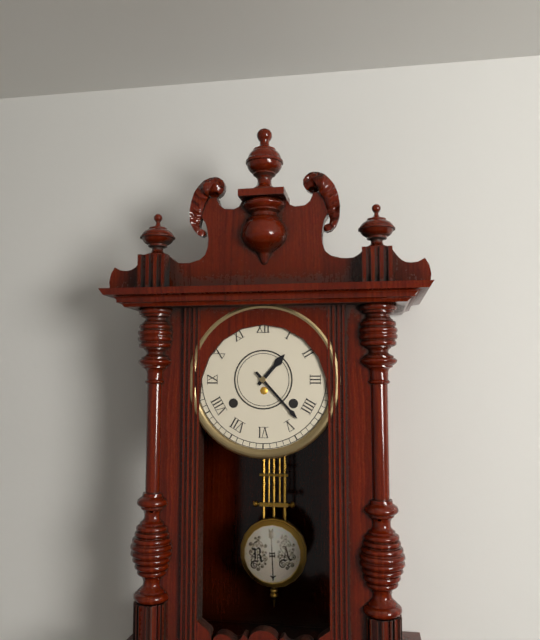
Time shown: **1:23**
